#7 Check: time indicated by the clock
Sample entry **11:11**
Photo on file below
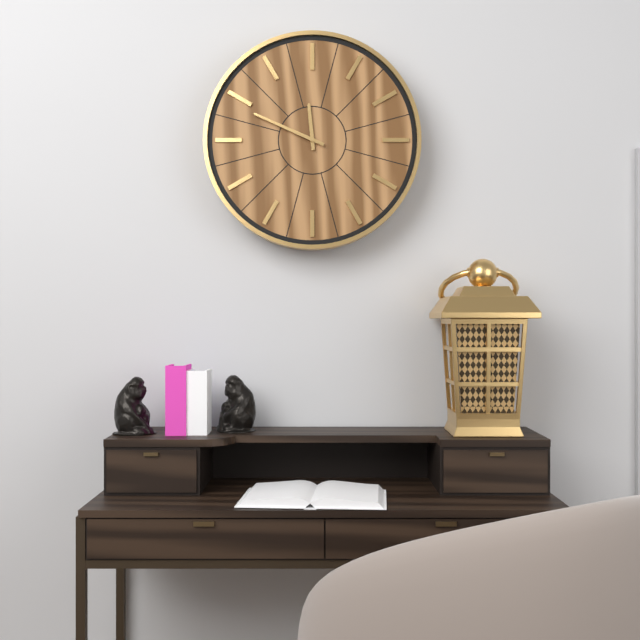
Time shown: **11:49**
